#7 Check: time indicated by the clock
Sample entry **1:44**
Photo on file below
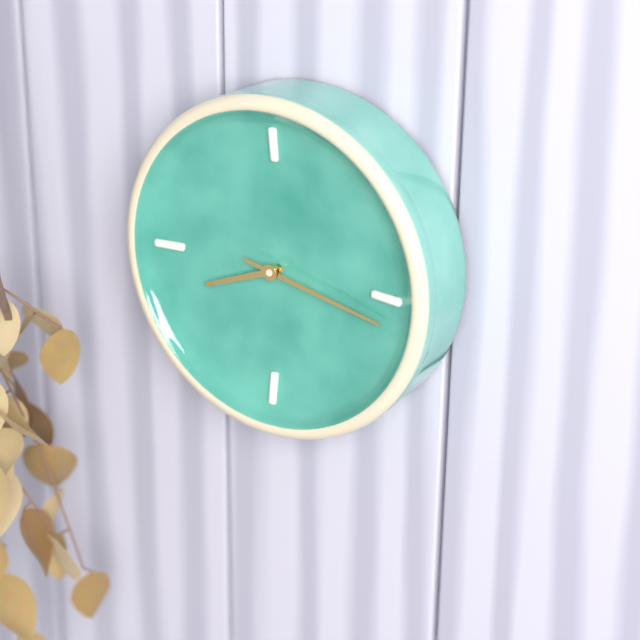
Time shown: **8:17**
